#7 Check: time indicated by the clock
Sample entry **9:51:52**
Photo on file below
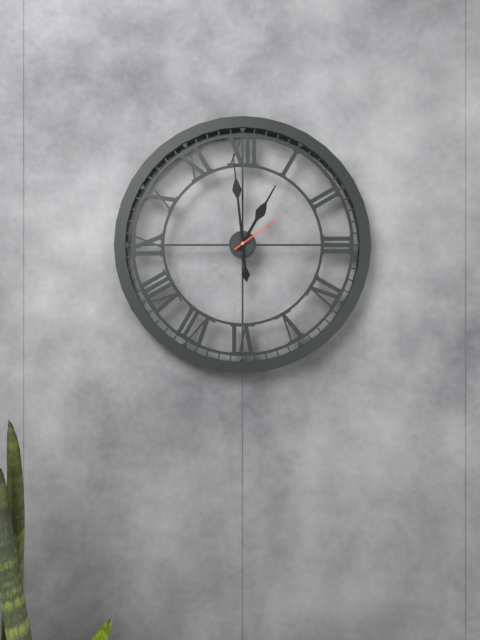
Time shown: **12:59:09**
